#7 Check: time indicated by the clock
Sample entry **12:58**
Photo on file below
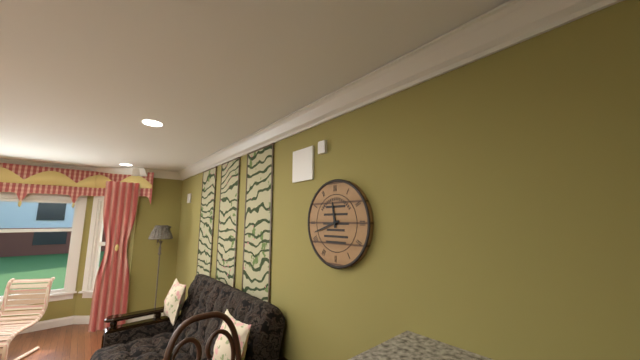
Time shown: **11:42**
